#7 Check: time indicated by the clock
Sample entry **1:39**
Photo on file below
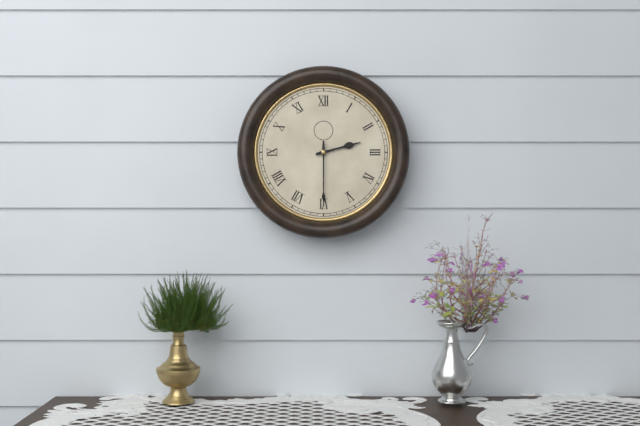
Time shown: **2:30**
